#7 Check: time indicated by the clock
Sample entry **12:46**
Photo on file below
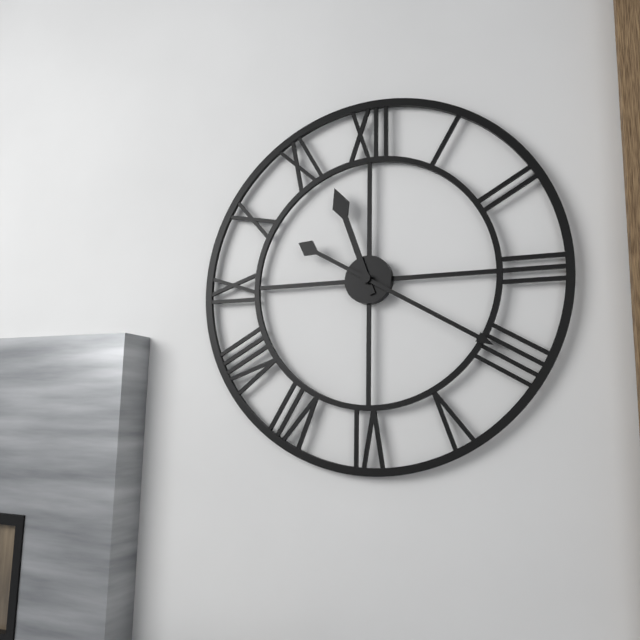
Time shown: **11:20**
